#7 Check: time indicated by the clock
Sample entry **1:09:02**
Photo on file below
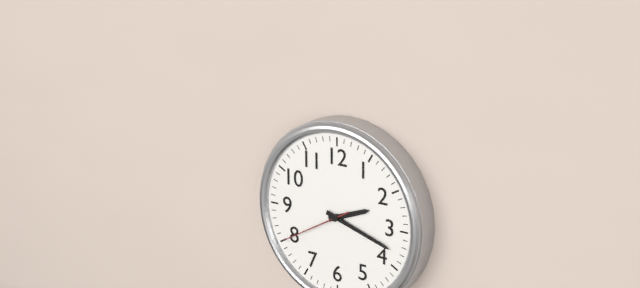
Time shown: **2:18:40**
